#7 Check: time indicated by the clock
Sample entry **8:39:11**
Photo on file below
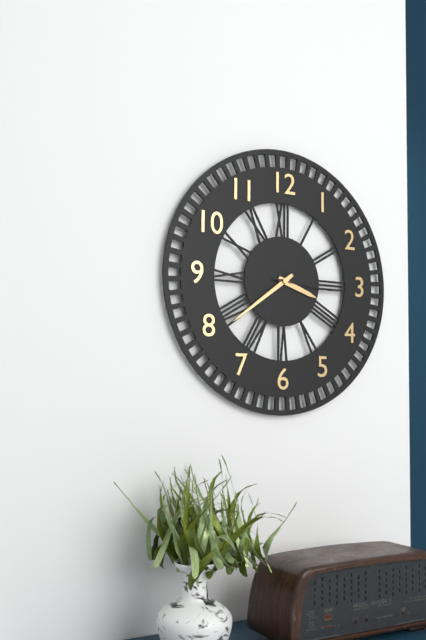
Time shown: **3:39:16**
